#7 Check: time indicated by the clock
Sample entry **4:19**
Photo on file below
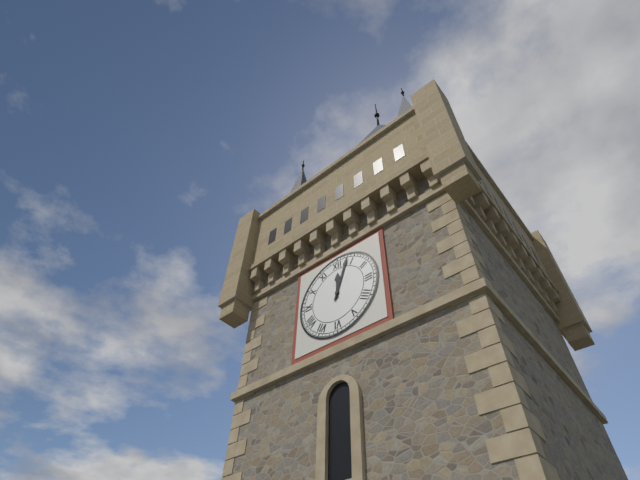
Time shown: **12:03**
